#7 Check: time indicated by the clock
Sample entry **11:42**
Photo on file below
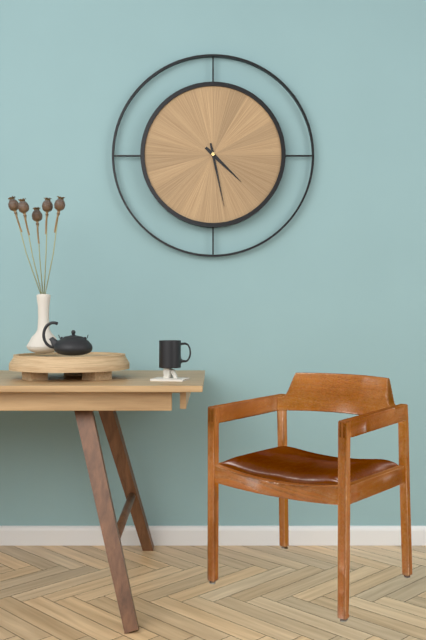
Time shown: **4:28**
